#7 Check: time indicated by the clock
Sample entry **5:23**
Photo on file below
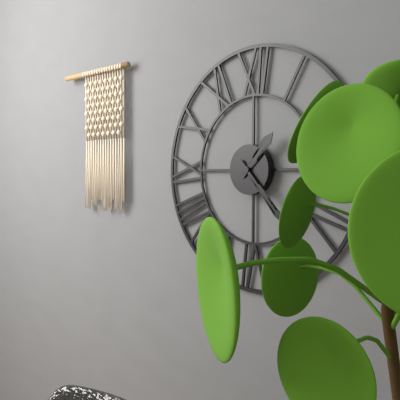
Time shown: **1:23**
